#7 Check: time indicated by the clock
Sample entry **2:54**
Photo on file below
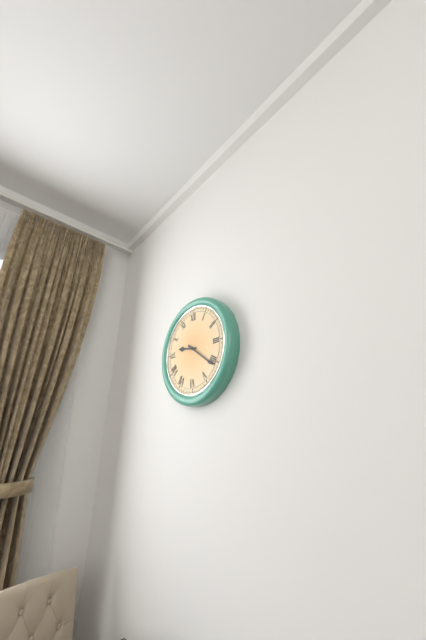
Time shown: **9:21**
